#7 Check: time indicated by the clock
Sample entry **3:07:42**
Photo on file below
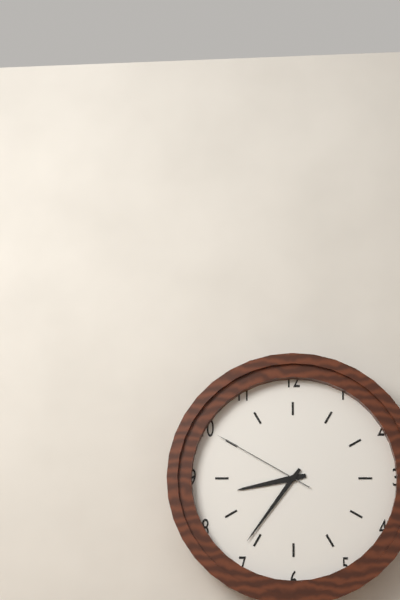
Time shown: **8:36:50**
